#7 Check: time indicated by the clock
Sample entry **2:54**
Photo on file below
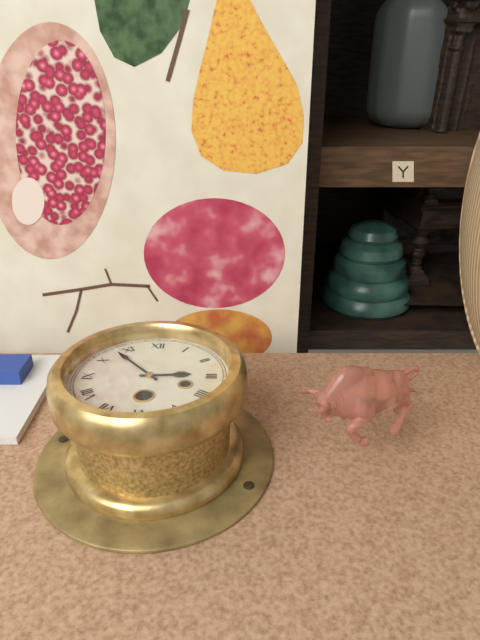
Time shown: **2:53**
